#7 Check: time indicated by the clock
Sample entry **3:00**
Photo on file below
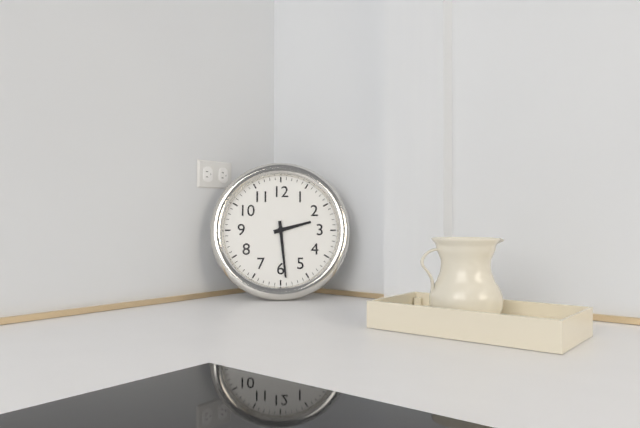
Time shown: **2:29**
